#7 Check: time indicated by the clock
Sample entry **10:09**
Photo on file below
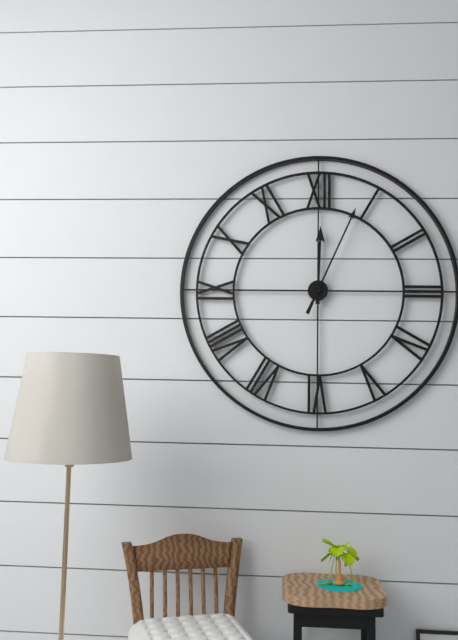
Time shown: **12:04**
